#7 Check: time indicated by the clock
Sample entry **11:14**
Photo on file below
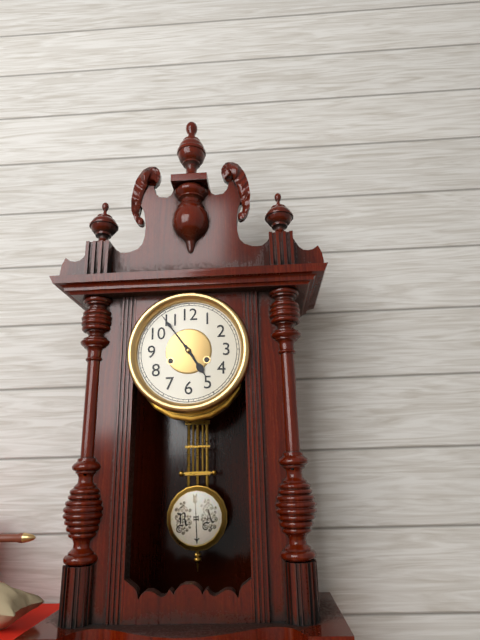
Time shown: **4:54**
